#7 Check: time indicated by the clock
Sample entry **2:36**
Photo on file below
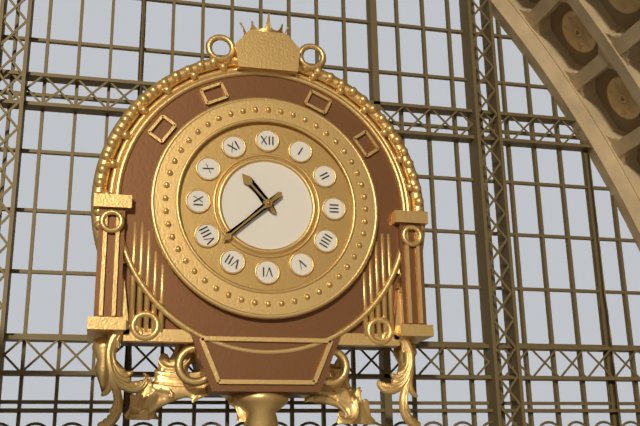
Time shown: **10:38**
